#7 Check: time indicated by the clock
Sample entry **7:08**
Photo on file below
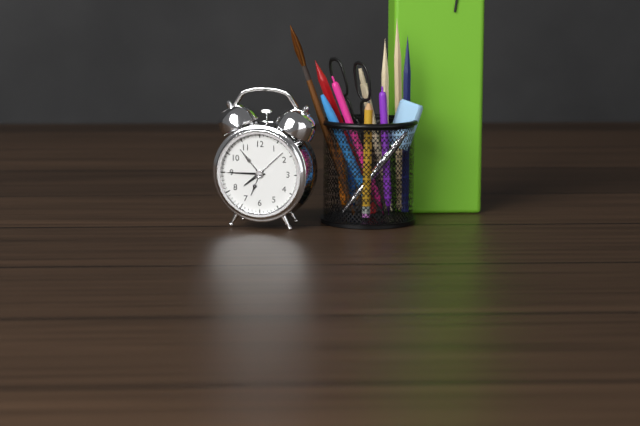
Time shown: **7:45**
